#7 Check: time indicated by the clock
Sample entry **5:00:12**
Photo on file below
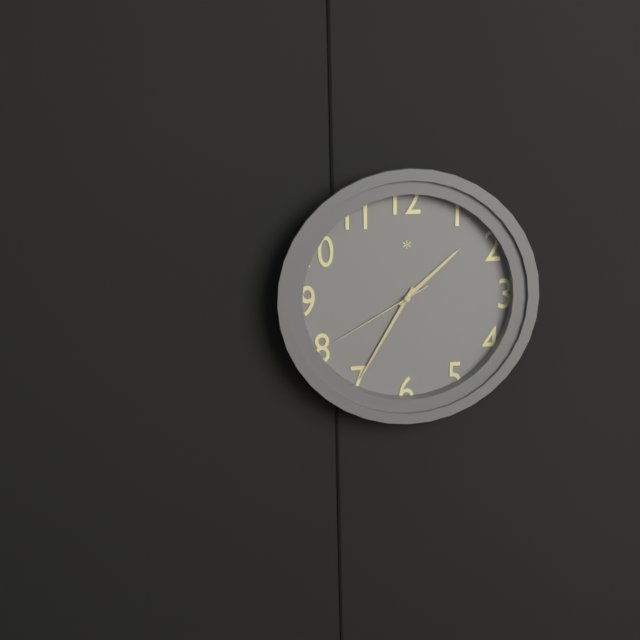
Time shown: **1:35:40**
